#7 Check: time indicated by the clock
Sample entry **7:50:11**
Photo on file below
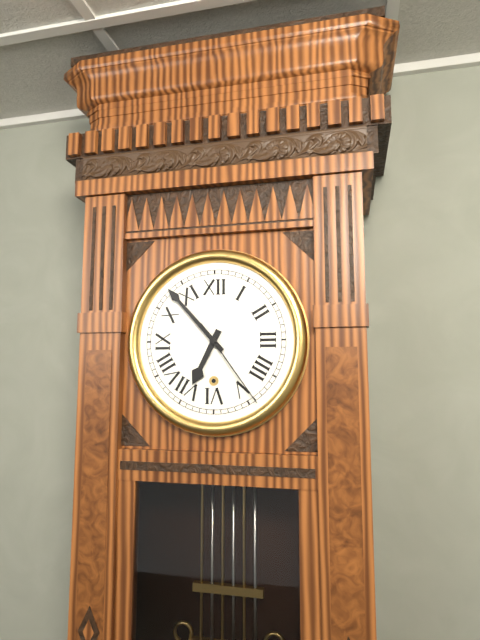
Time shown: **6:53:24**
